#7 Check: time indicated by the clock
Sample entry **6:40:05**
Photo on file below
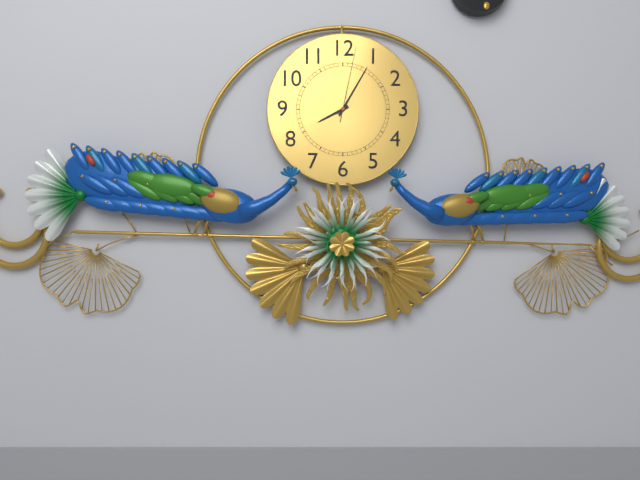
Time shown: **8:05:02**
